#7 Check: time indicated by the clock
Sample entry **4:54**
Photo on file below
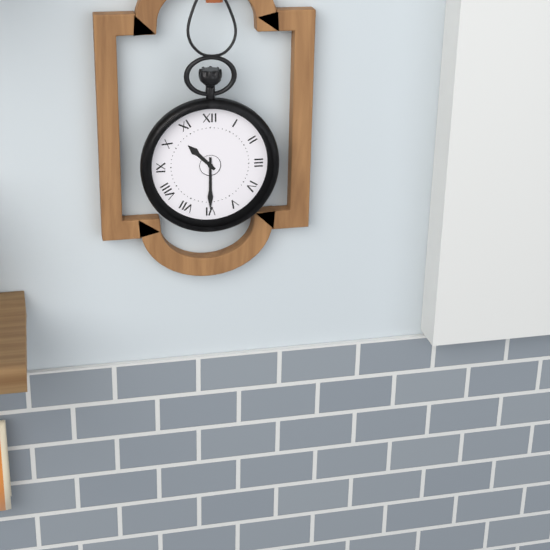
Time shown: **10:30**
